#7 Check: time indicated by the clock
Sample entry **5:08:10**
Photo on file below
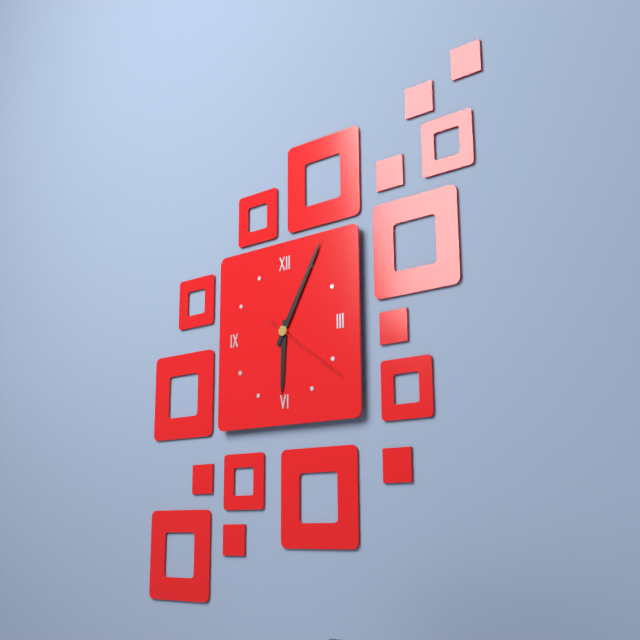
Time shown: **6:05:21**
